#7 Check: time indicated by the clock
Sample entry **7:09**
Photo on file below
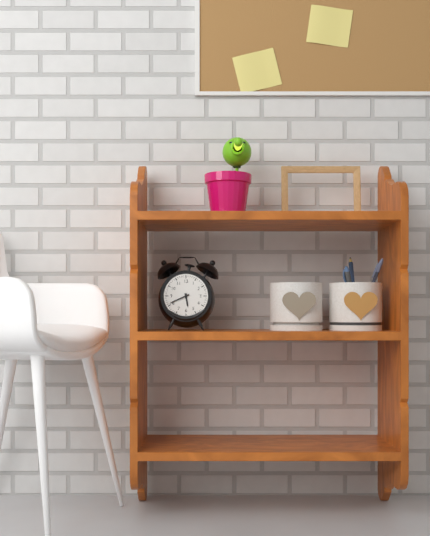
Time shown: **5:41**
